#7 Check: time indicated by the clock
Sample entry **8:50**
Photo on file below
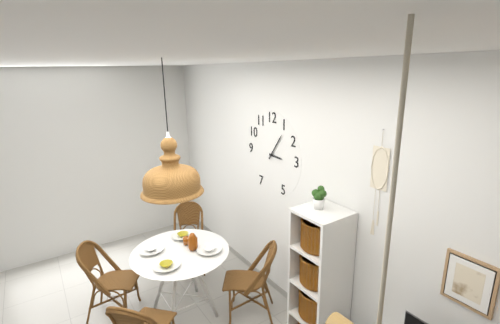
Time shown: **3:06**
